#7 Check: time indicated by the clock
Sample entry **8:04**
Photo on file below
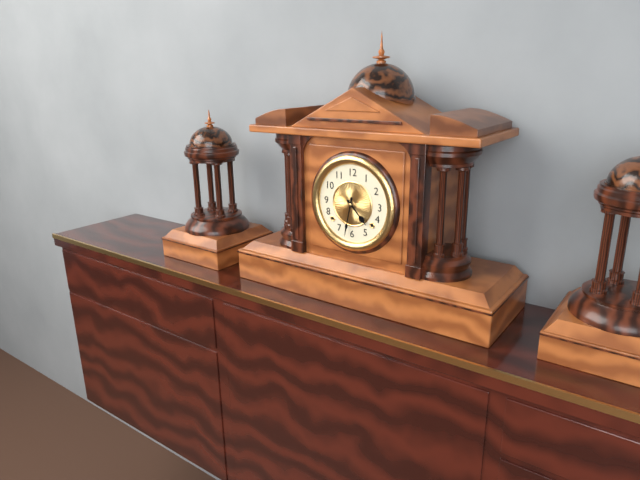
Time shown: **4:32**
